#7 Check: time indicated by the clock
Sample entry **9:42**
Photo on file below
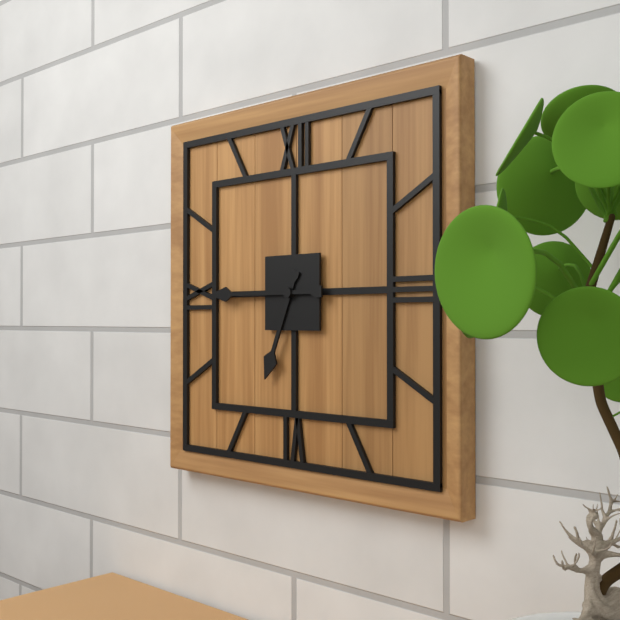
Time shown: **6:45**
